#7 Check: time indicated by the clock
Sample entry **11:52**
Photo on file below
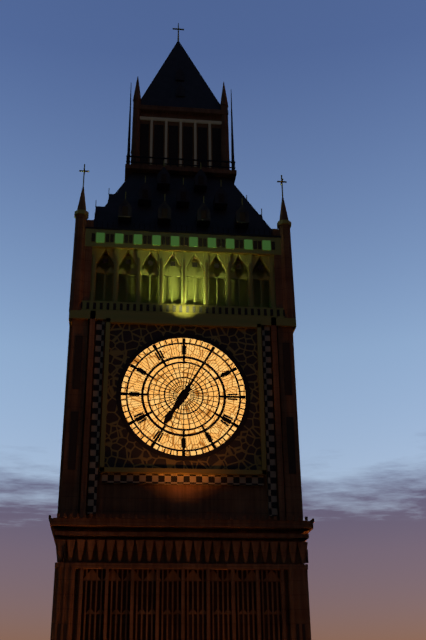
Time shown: **7:05**
